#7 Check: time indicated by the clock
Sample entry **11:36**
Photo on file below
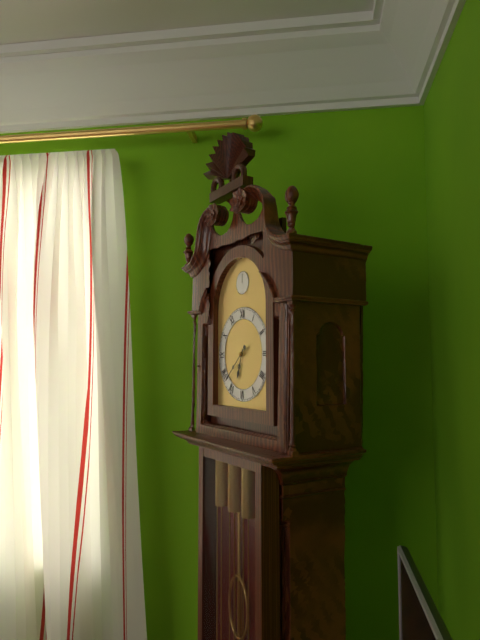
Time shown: **6:38**
